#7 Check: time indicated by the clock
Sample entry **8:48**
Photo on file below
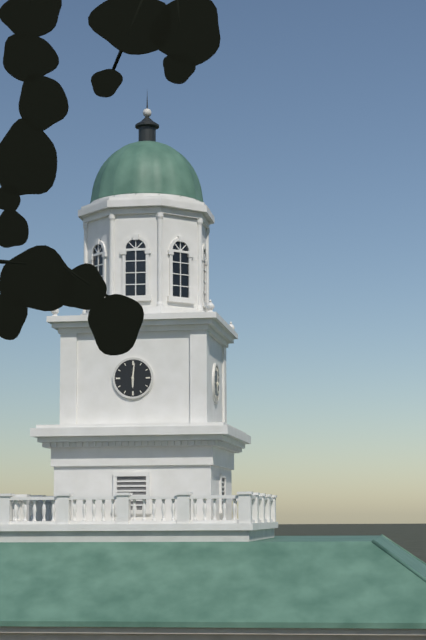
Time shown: **6:01**
